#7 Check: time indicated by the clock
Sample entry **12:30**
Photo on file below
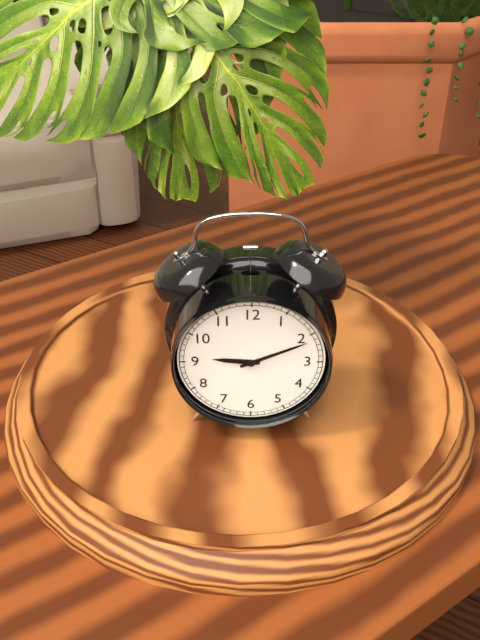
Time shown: **9:11**
